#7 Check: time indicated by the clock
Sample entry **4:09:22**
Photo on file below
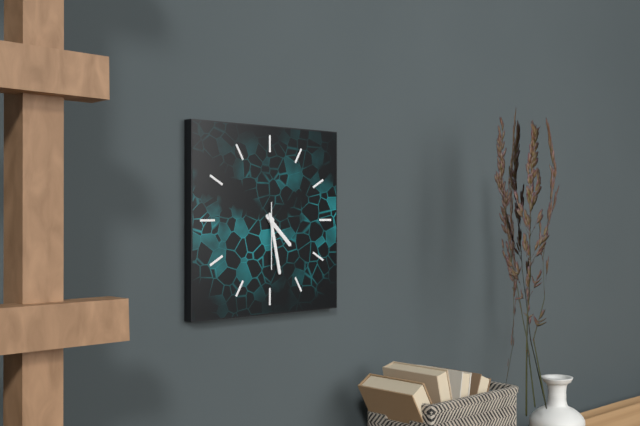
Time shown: **4:28:30**
